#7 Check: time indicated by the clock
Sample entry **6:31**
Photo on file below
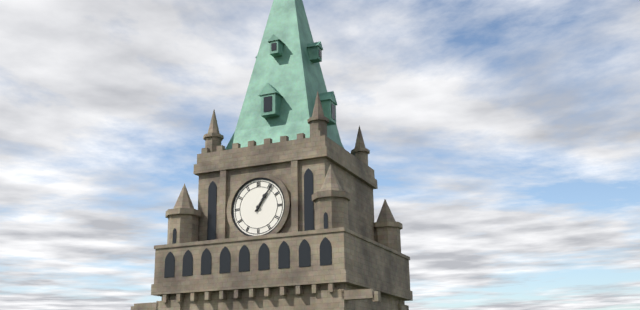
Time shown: **1:06**
